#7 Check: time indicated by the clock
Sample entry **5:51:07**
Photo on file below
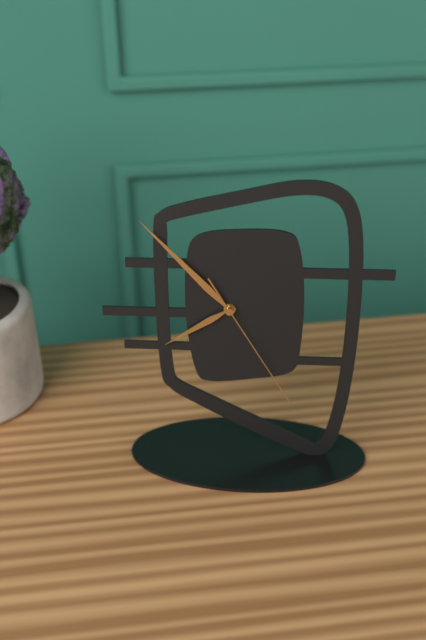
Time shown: **7:53:25**
